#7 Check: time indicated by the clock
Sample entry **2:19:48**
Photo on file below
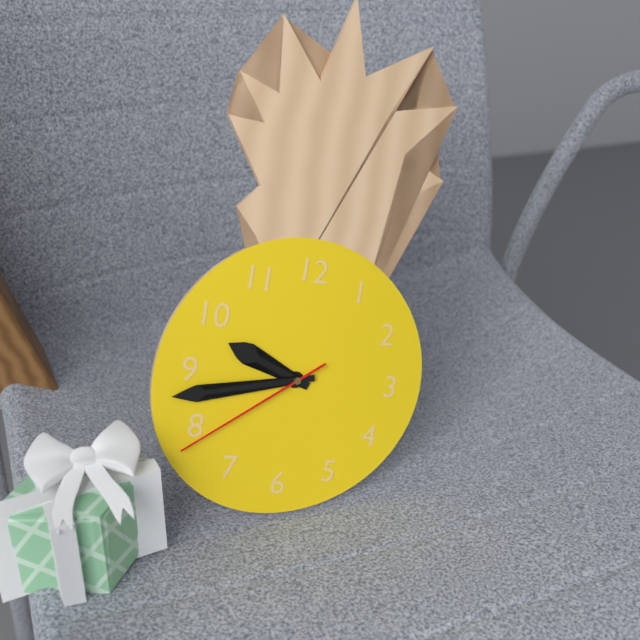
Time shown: **9:43:39**
